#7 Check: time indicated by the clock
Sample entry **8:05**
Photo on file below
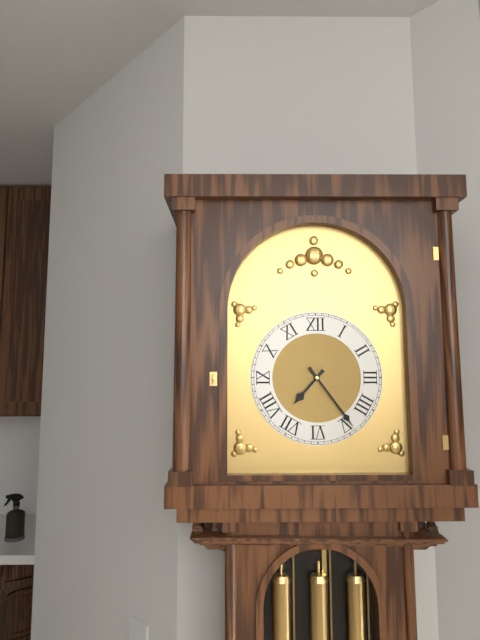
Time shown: **7:24**
